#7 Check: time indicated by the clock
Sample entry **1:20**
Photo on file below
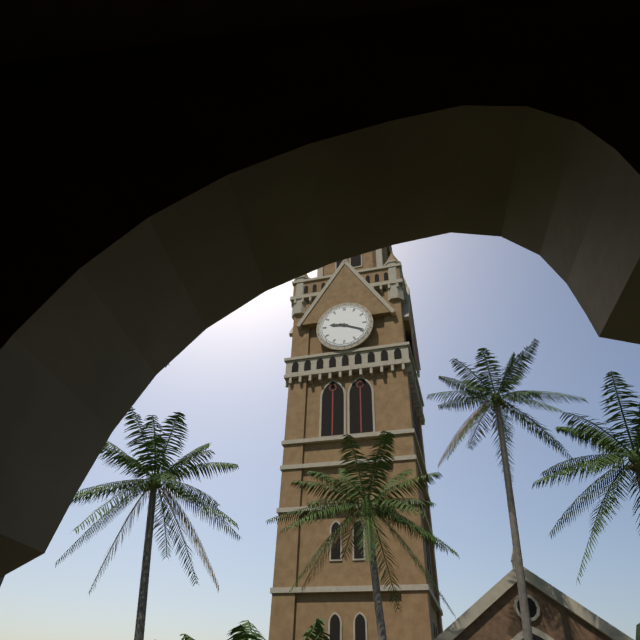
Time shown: **9:19**
